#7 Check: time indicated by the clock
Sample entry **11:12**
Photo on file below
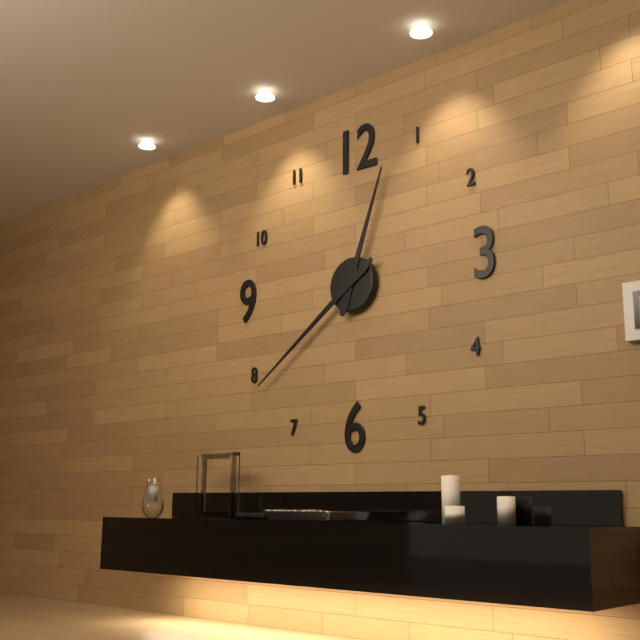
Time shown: **12:39**
